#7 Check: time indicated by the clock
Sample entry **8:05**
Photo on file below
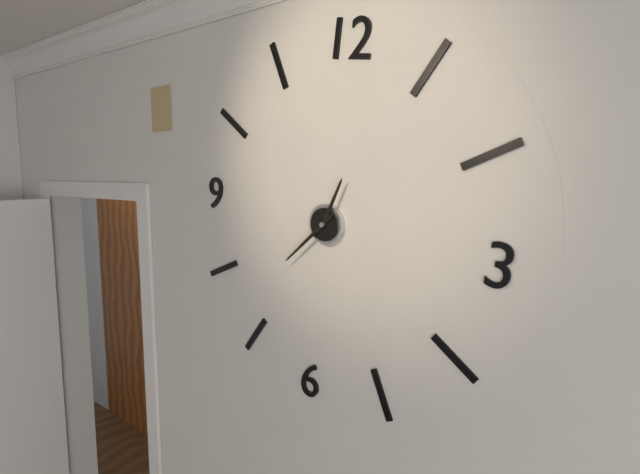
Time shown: **12:37**
